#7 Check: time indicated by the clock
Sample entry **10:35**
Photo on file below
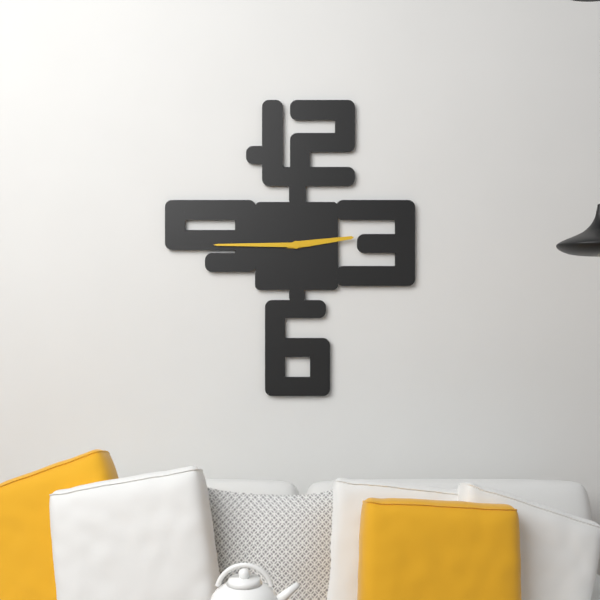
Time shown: **2:45**
